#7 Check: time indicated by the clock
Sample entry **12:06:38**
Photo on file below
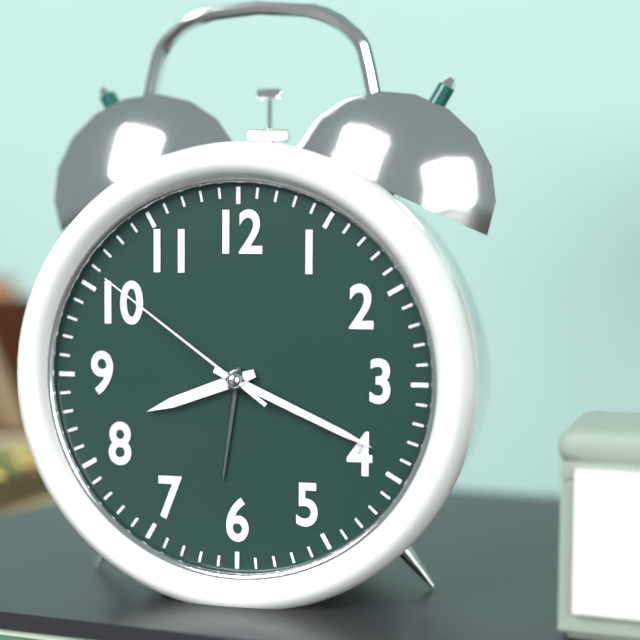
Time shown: **8:19:51**
